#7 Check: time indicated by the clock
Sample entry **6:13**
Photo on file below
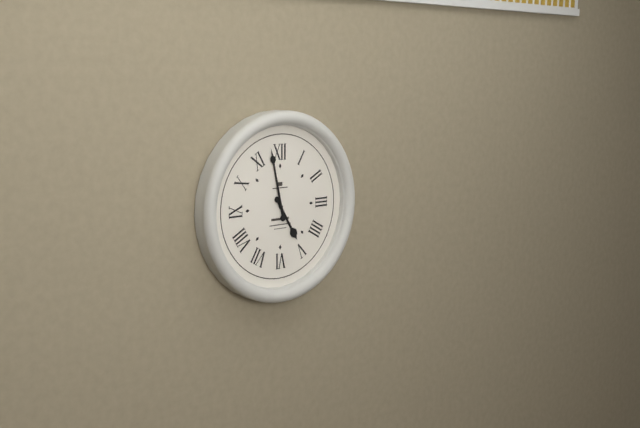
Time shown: **4:58**
